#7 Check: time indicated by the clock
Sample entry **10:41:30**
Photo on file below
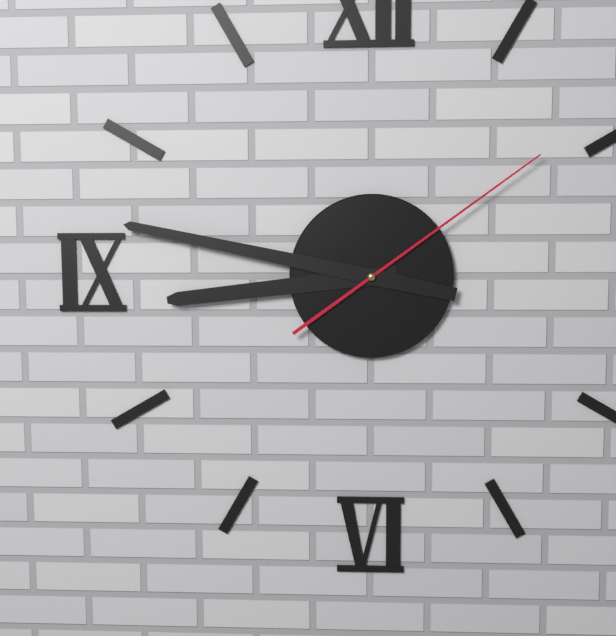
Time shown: **8:47:09**
